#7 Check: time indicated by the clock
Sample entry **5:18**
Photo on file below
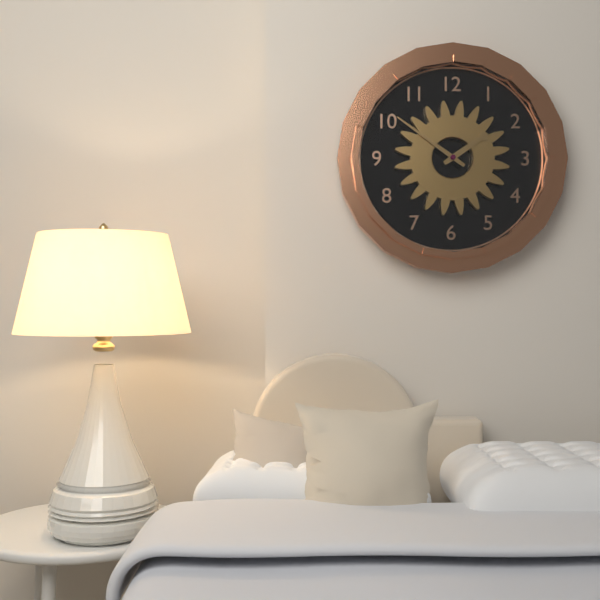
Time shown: **1:51**
